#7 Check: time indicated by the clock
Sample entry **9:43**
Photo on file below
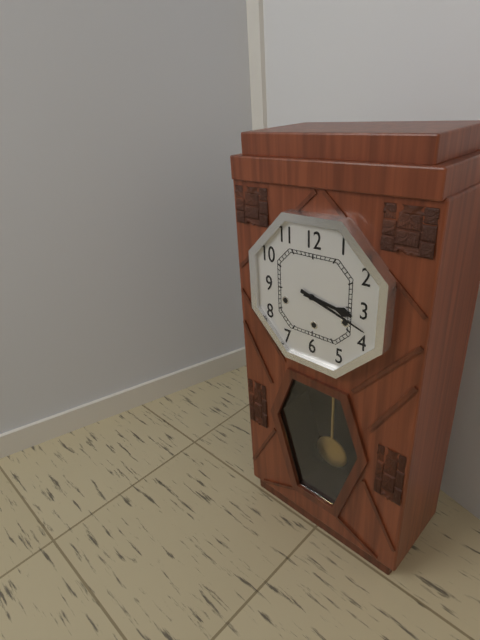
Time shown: **3:18**
